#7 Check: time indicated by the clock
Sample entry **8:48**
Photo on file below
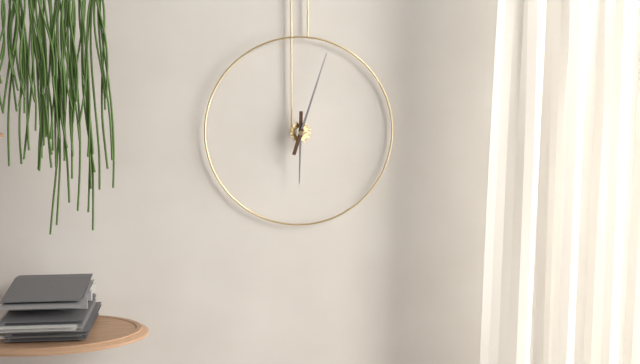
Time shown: **6:03**
